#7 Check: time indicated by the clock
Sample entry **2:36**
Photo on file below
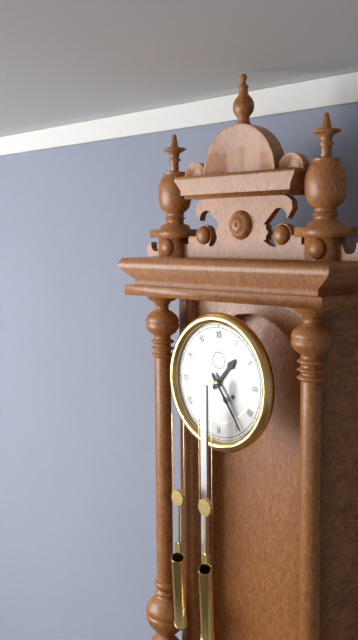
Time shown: **1:24**
